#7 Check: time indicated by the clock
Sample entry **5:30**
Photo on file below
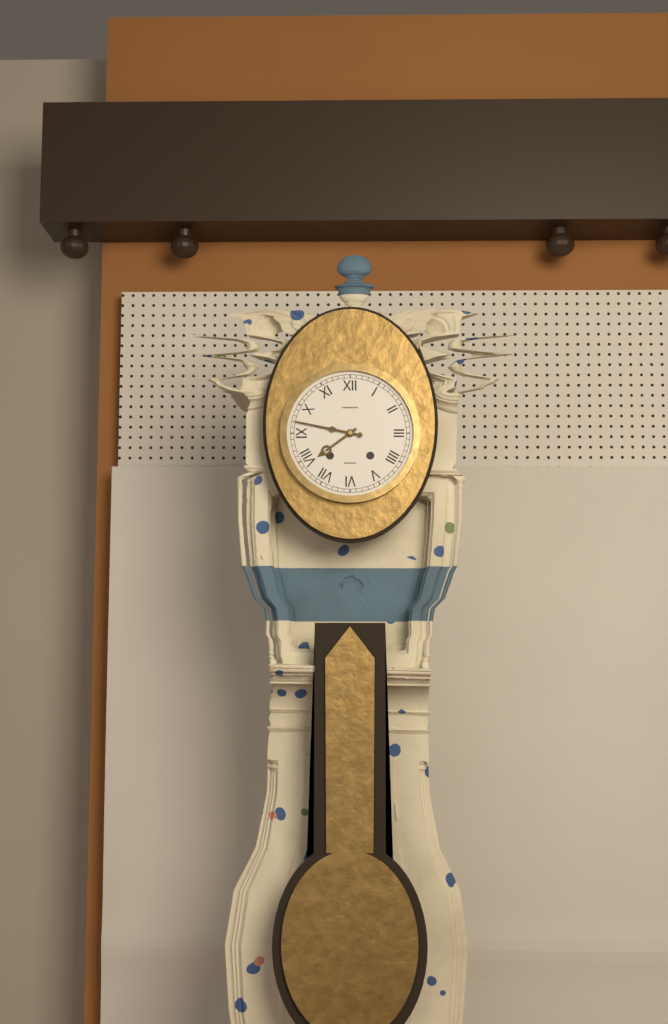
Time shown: **7:47**
